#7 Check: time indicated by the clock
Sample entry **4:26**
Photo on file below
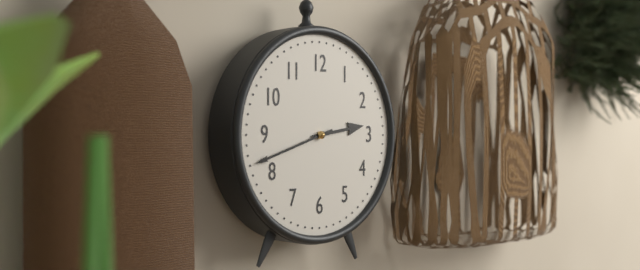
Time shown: **2:42**
